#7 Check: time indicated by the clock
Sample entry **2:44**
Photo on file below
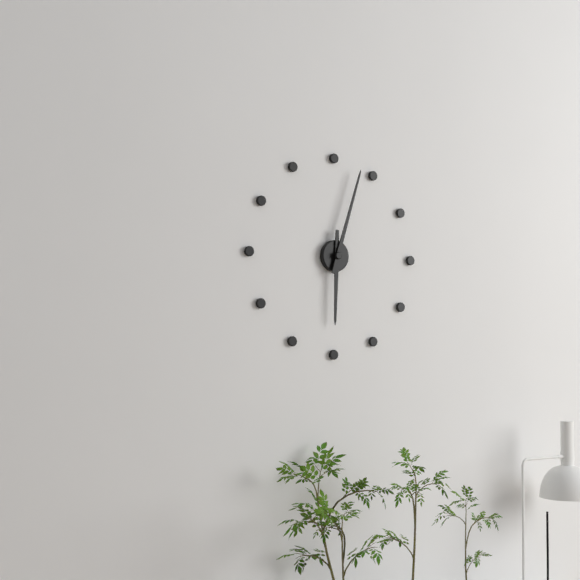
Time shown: **6:03**
